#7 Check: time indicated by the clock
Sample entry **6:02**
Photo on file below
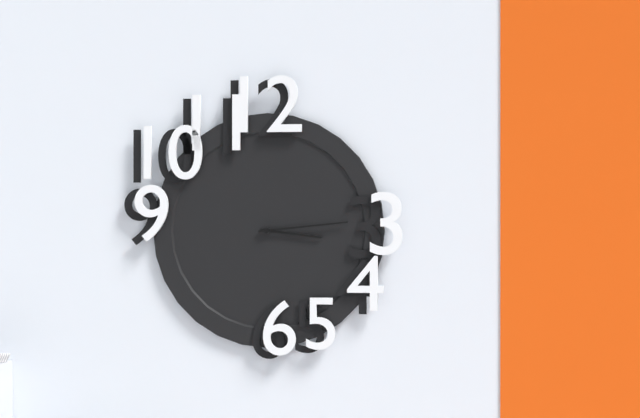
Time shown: **3:14**
